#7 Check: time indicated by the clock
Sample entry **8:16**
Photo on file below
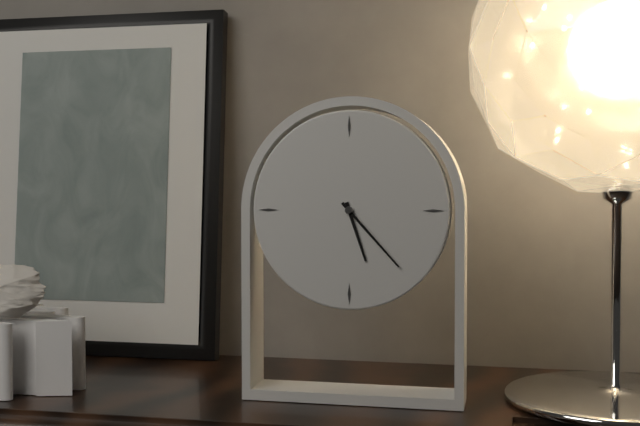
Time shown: **5:23**
